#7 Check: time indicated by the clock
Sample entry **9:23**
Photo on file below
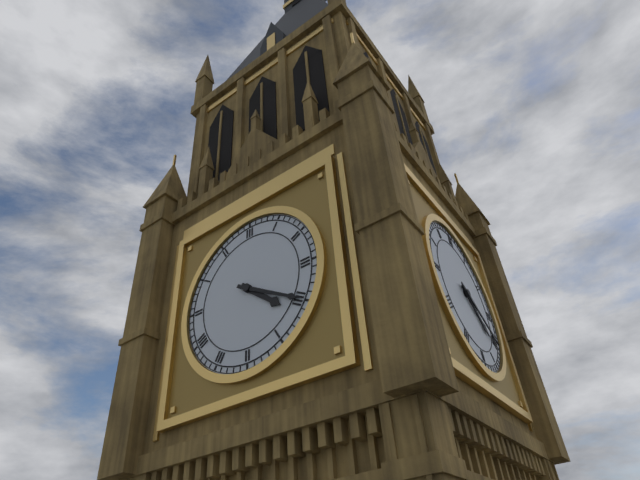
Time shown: **4:20**
